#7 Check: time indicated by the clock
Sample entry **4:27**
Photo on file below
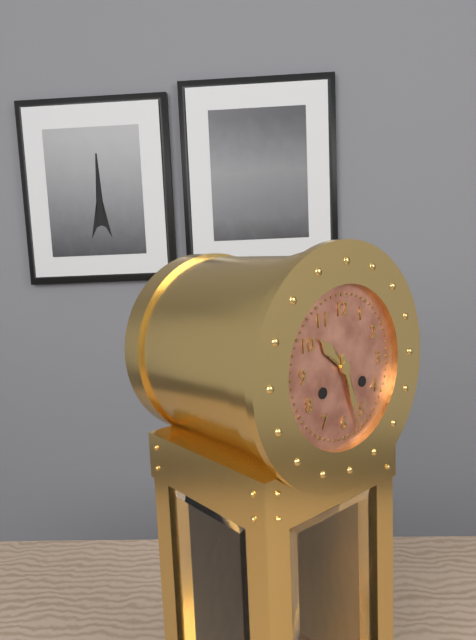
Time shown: **10:27**
